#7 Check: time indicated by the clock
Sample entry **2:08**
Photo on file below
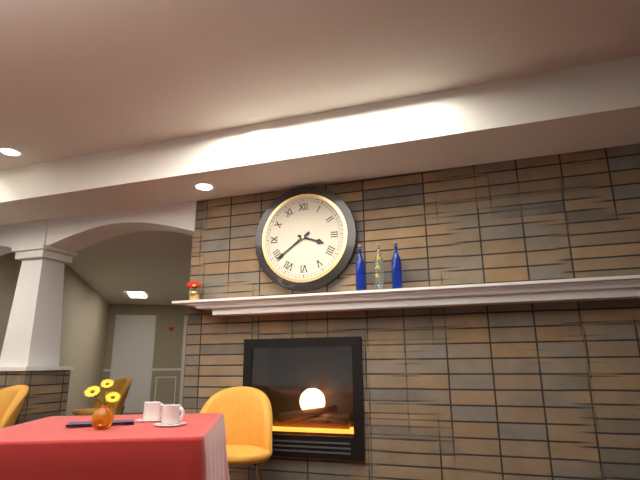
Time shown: **3:39**
